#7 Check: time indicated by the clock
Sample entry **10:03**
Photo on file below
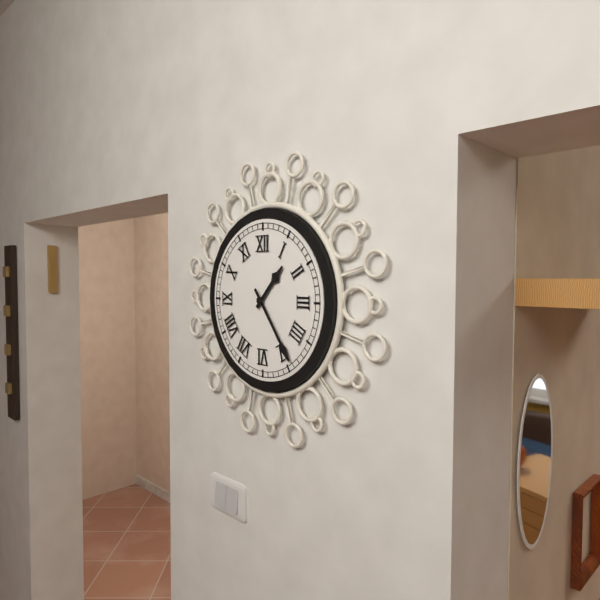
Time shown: **1:24**
